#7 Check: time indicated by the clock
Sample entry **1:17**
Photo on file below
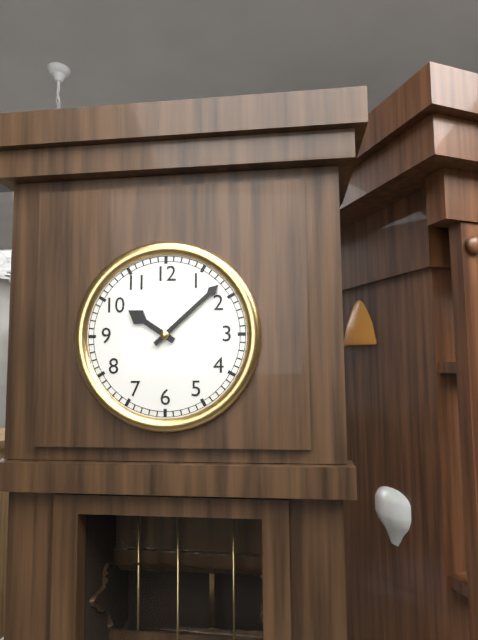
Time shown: **10:08**
